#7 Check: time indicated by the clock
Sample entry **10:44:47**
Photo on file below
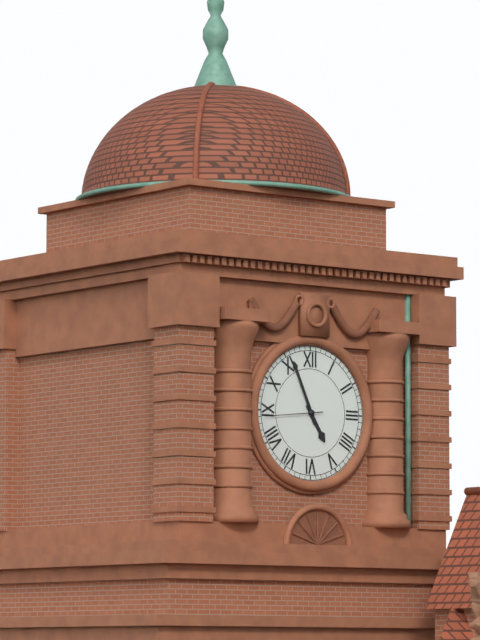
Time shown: **4:56:44**
